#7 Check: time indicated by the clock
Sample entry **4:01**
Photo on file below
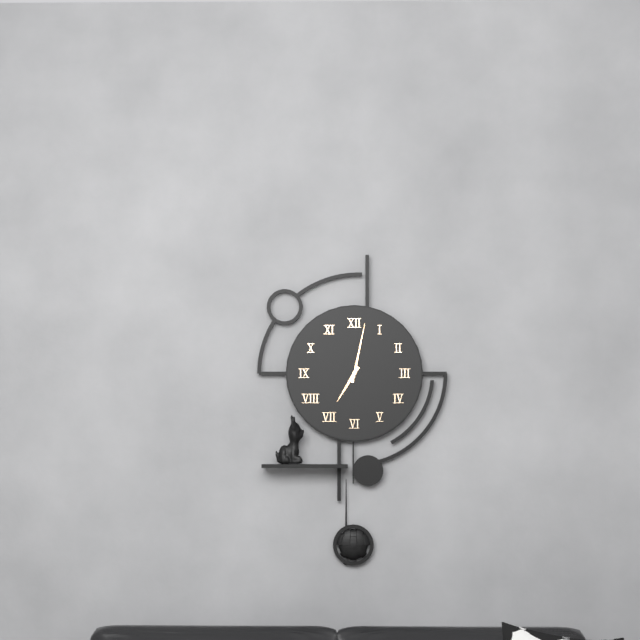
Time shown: **7:02**
